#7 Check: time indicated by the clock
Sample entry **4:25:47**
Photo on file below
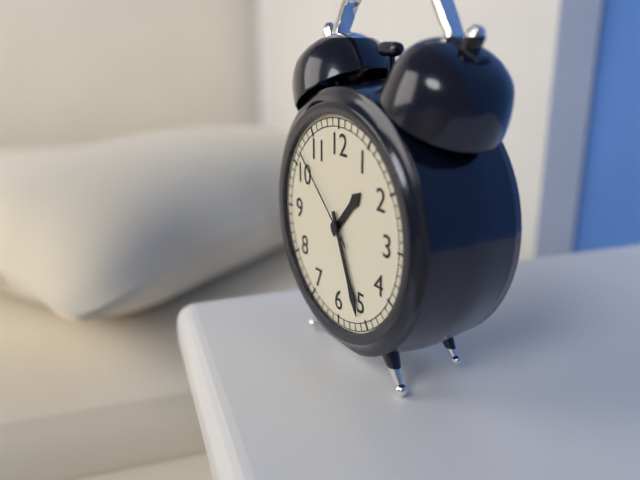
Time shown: **1:26:52**
